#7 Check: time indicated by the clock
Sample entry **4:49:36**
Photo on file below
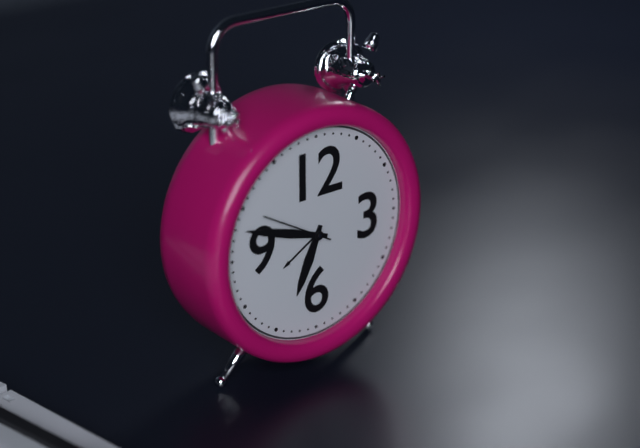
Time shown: **6:48:50**
